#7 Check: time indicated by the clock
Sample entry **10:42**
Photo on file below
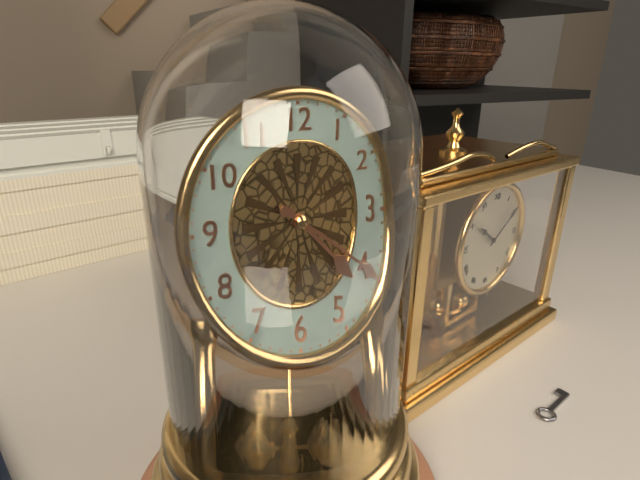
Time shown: **4:20**
